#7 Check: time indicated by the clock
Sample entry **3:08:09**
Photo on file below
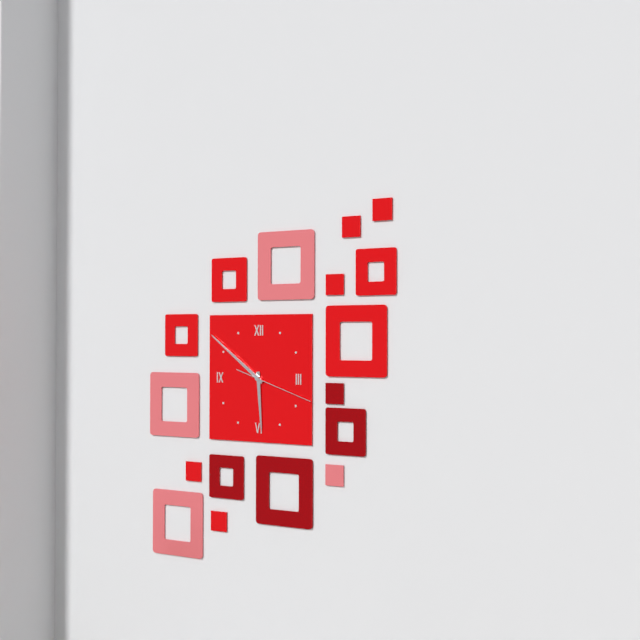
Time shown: **5:51:18**
